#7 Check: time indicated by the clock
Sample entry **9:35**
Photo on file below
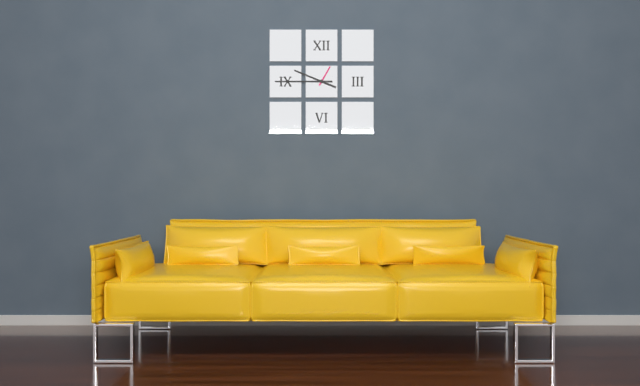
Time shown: **9:45**
